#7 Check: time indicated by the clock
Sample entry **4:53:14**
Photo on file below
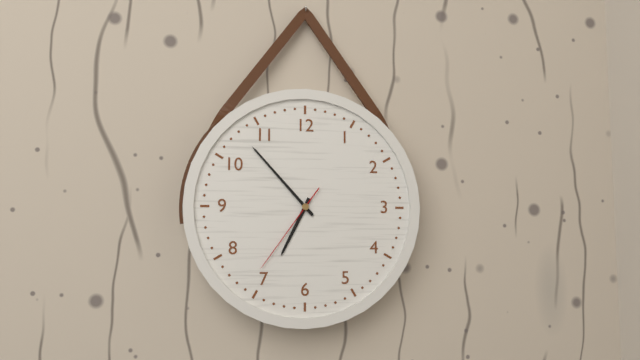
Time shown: **6:53:36**
